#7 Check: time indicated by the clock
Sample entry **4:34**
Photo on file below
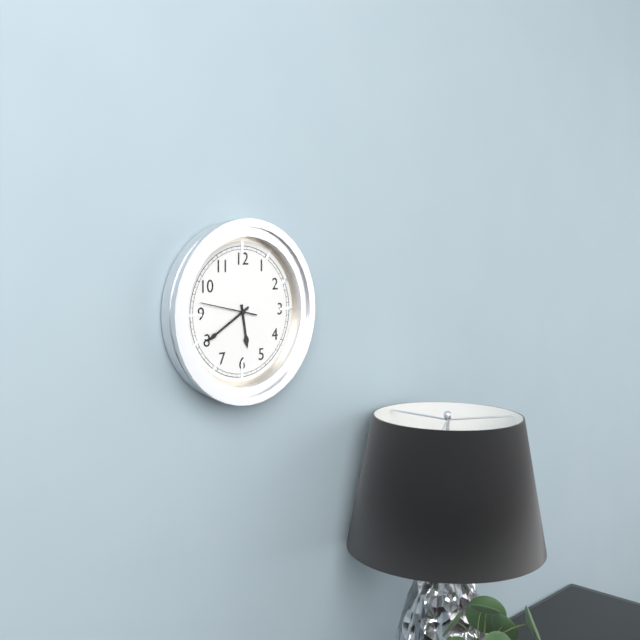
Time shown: **5:40**
